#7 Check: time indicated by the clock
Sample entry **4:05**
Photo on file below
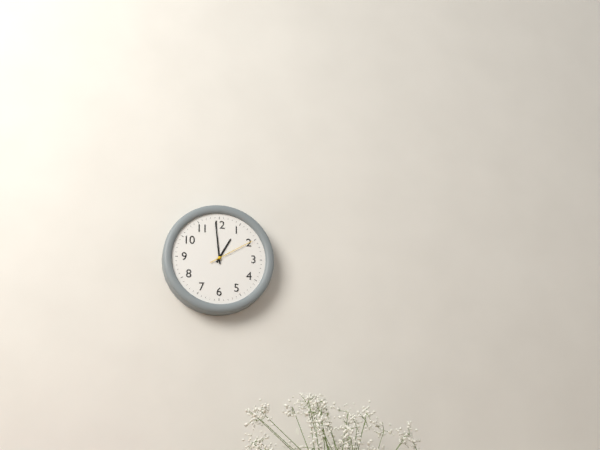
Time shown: **12:59**
